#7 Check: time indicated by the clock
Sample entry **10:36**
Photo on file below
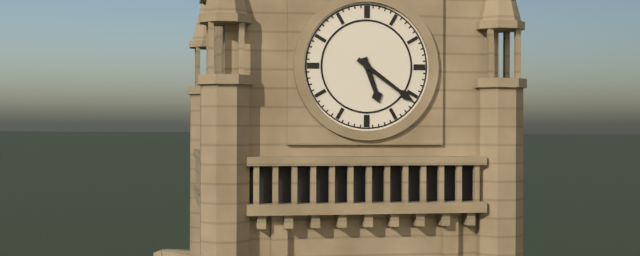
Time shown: **5:21**
